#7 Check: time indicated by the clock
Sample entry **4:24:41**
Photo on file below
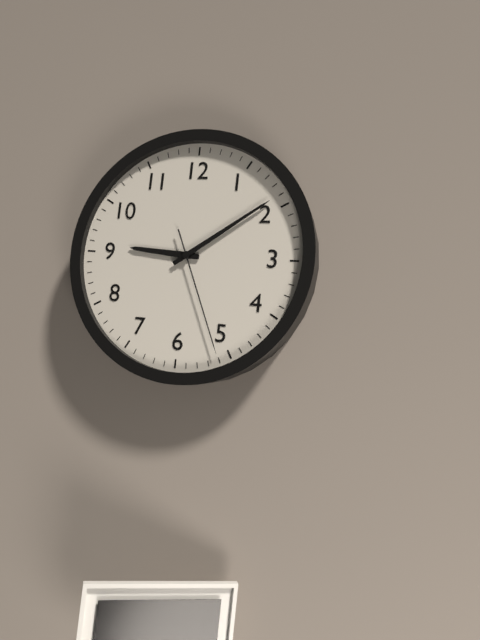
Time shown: **9:09:26**
